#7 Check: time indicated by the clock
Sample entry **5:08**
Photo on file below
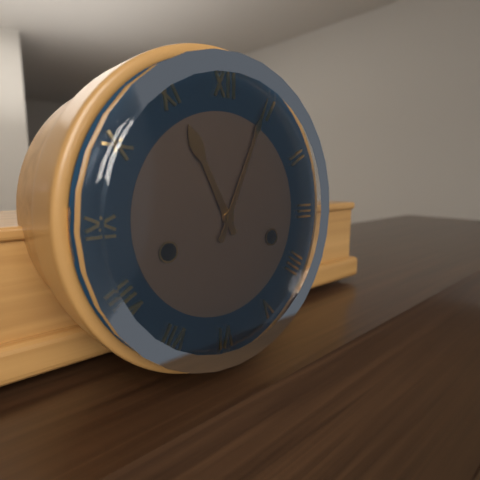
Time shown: **11:04**
